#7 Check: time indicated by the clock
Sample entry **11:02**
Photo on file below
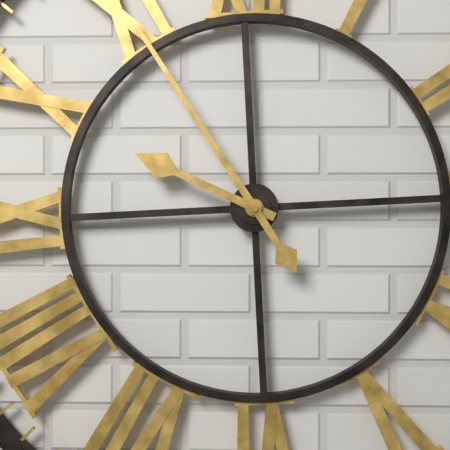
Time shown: **9:55**
